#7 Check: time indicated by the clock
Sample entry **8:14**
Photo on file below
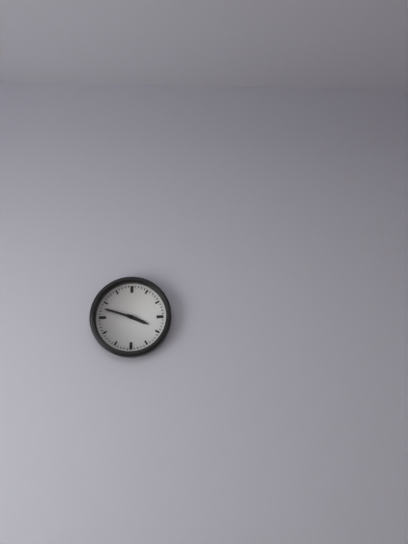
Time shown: **3:48**
